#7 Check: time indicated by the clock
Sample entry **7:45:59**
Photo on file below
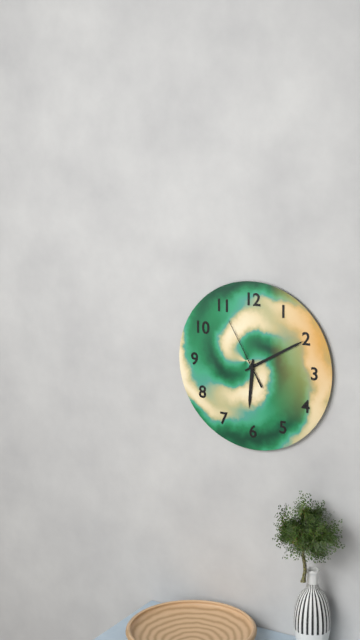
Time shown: **6:10:55**
